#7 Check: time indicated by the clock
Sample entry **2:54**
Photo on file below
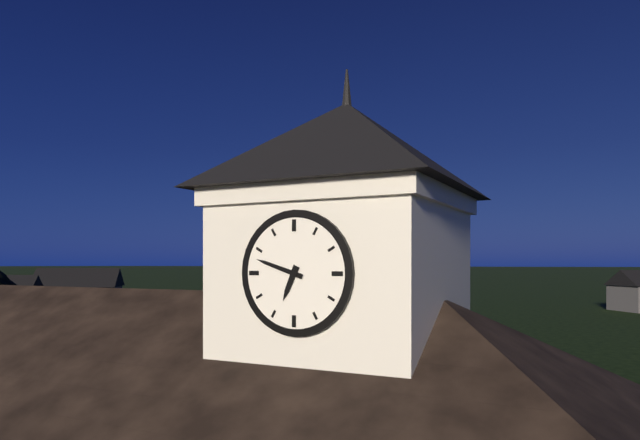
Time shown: **6:48**
